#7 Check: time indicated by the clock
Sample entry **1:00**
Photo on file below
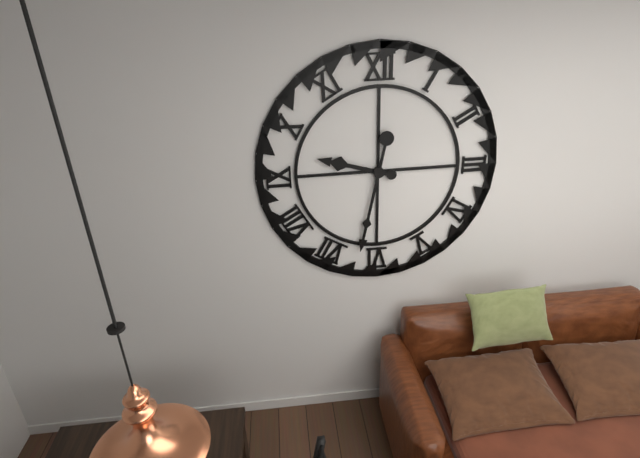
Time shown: **9:32**
